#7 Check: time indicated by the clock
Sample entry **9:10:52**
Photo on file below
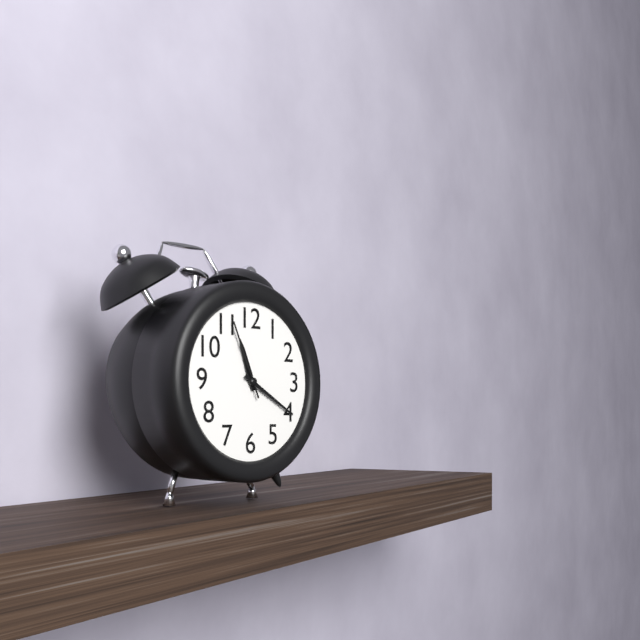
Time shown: **11:20:56**
